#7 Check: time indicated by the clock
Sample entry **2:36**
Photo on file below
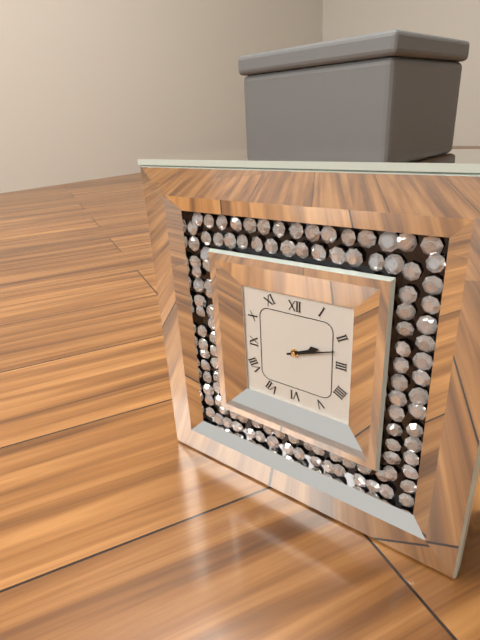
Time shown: **2:12**
